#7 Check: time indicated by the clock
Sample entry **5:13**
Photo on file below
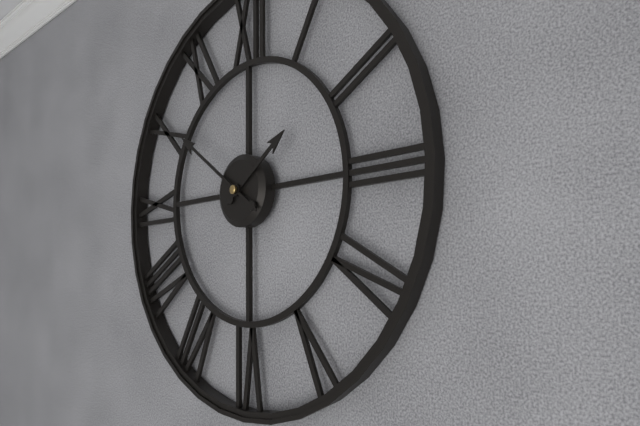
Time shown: **1:51**
